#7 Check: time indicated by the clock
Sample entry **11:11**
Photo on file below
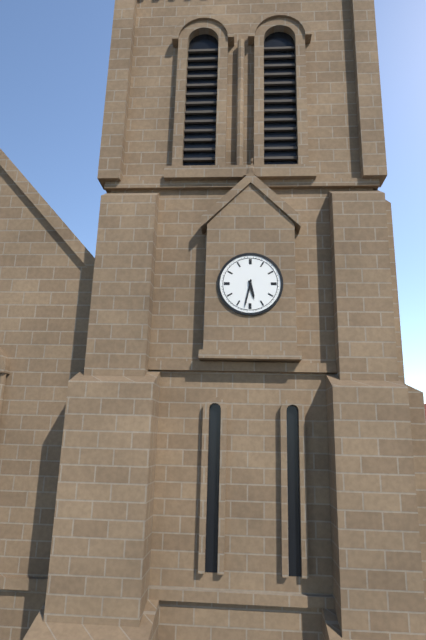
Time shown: **5:32**
